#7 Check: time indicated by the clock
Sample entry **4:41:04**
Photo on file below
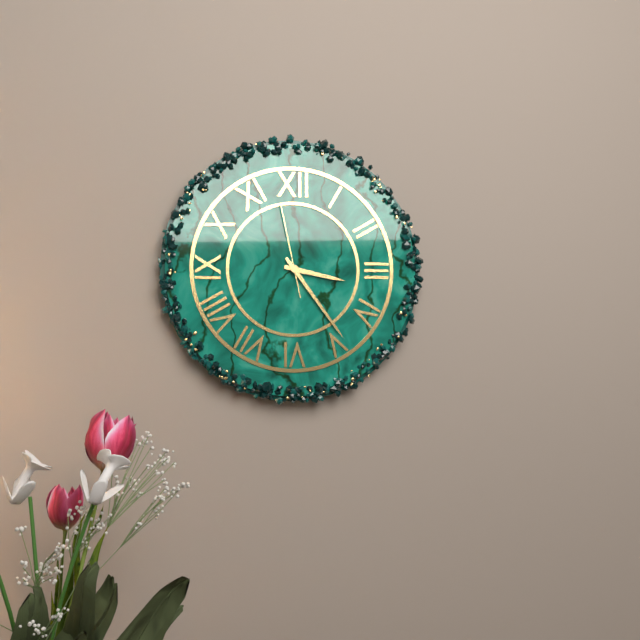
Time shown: **3:24:58**
